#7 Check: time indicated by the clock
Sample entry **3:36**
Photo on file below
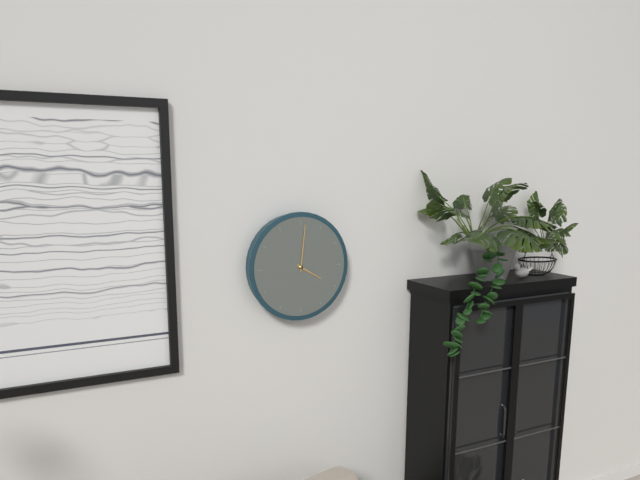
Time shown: **4:01**
